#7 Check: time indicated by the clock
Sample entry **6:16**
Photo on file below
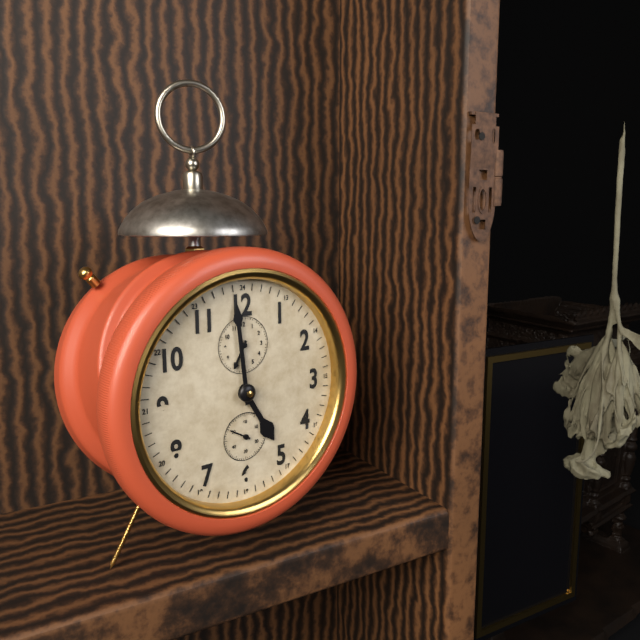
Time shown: **4:59**
